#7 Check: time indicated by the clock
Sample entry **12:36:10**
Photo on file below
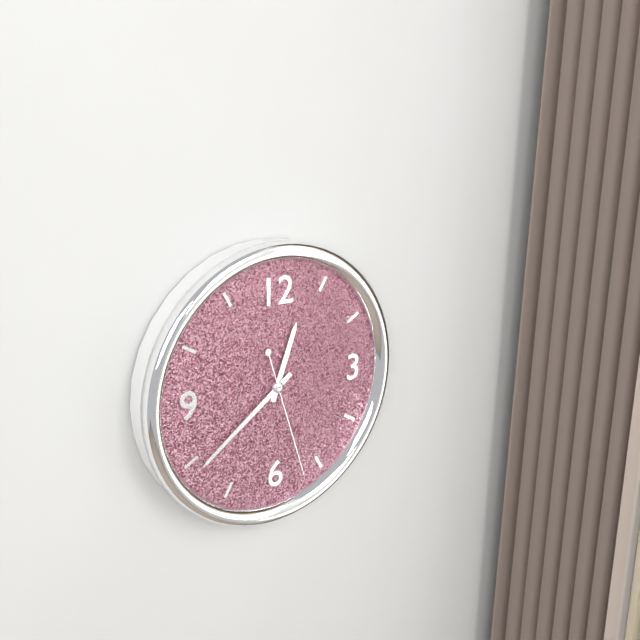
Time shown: **12:39:27**
